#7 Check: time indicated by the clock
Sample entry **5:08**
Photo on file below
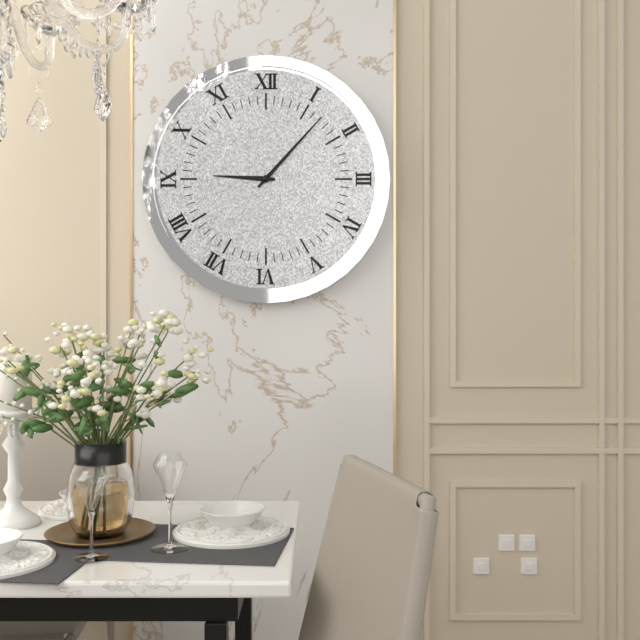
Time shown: **9:07**
